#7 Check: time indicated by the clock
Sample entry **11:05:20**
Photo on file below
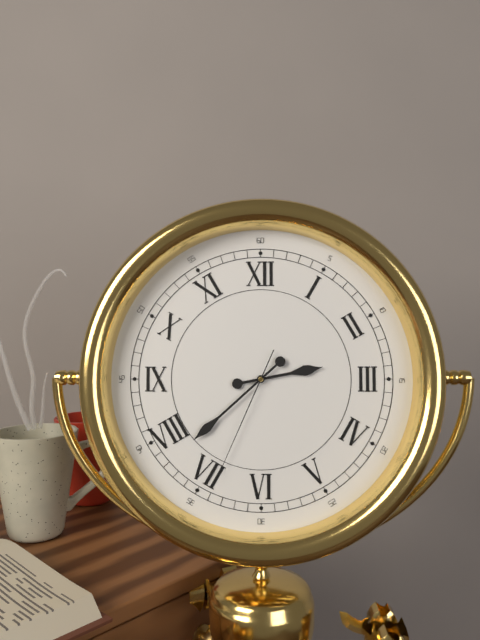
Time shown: **2:38:34**
